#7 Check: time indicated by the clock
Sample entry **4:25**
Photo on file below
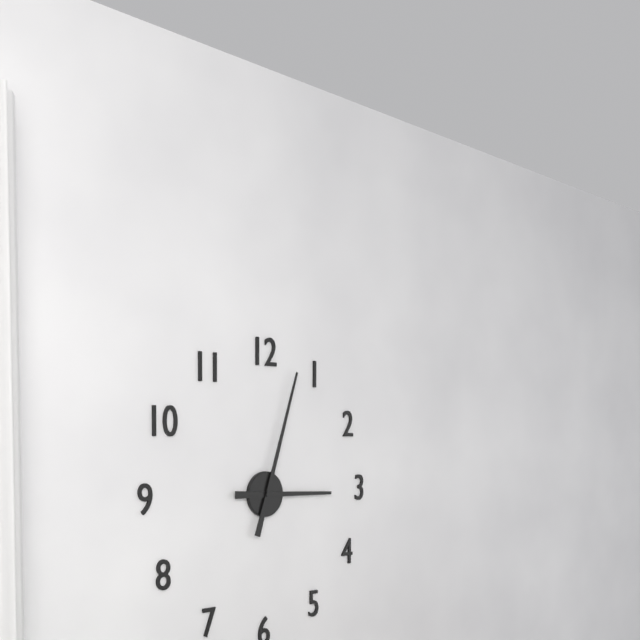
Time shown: **3:03**
